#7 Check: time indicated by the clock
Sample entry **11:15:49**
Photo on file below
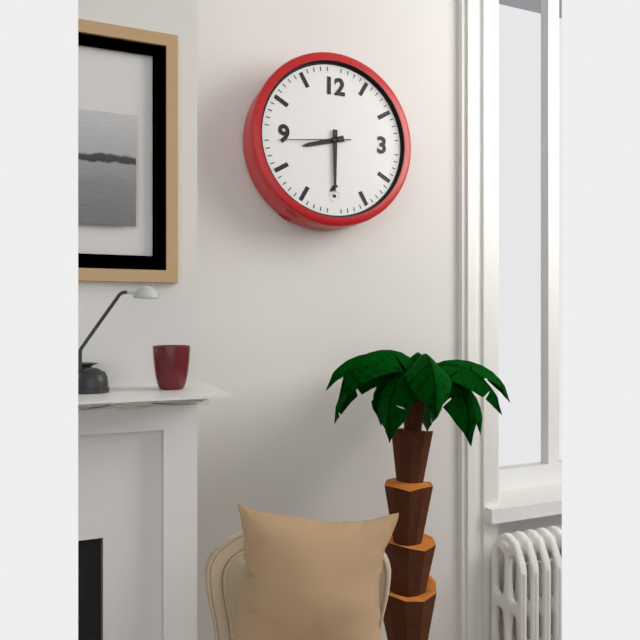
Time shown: **8:30:44**
